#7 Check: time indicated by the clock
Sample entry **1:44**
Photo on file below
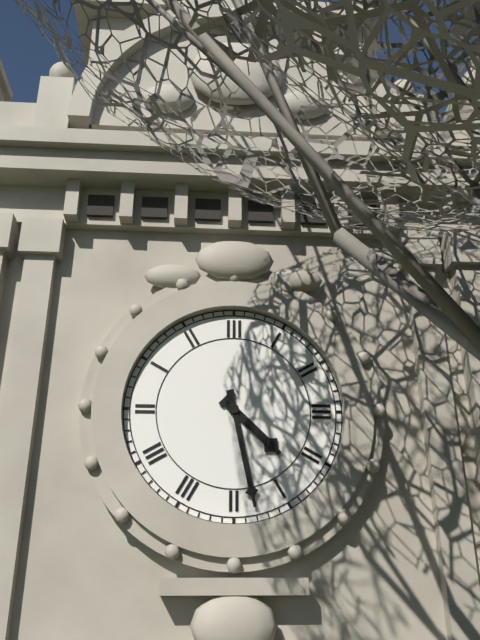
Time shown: **4:28**
